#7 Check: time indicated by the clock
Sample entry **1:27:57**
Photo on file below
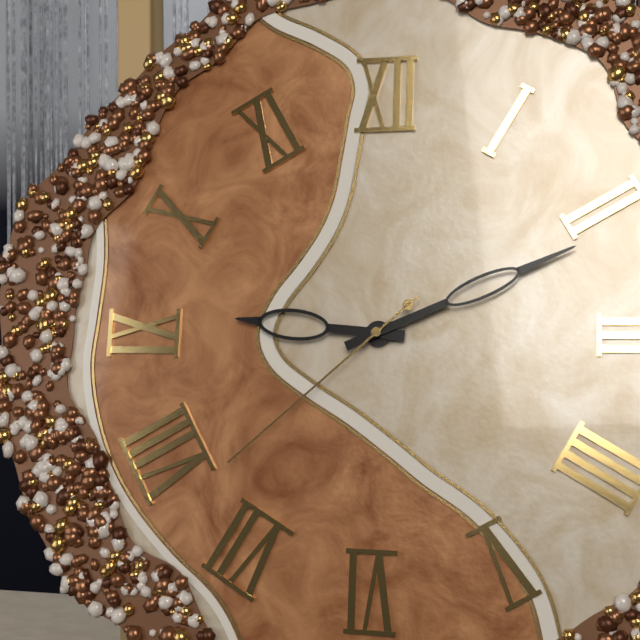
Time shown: **9:11:38**
